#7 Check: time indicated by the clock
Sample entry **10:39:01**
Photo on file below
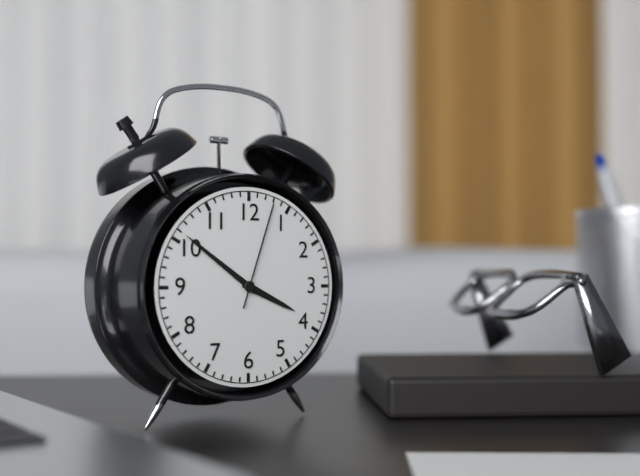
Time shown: **3:51:03**
